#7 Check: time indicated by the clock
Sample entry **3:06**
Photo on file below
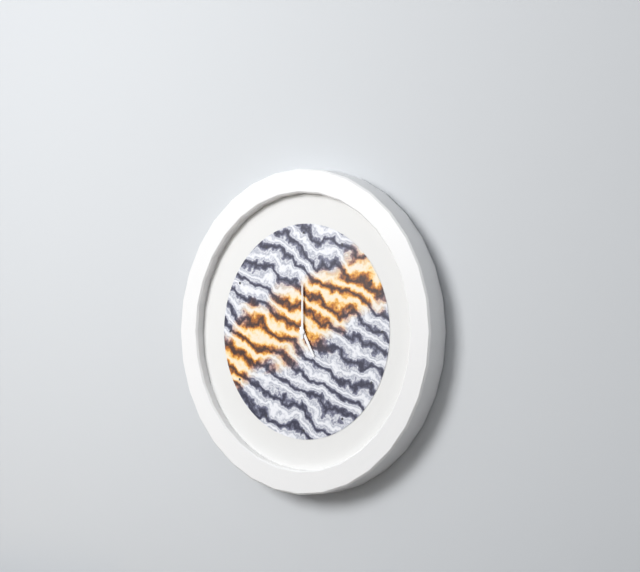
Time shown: **5:00**
